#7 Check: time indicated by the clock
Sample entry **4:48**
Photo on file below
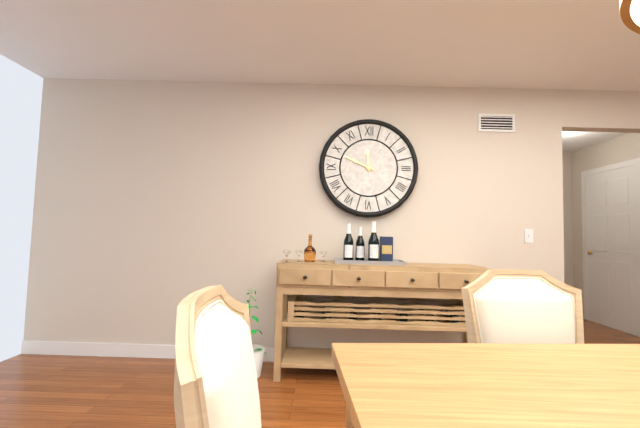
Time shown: **11:49**
